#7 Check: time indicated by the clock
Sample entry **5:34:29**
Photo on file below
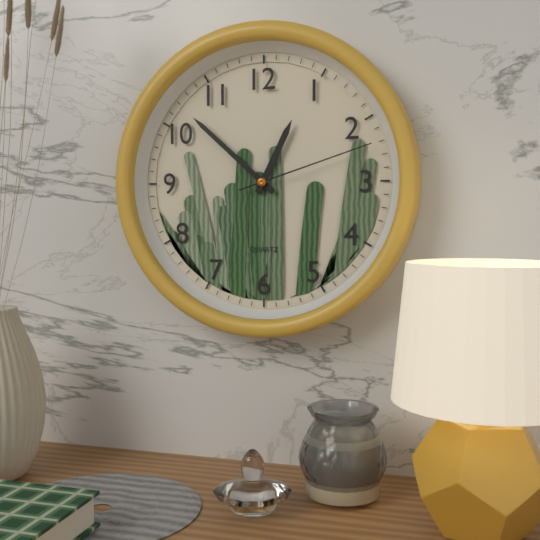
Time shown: **12:52:12**
